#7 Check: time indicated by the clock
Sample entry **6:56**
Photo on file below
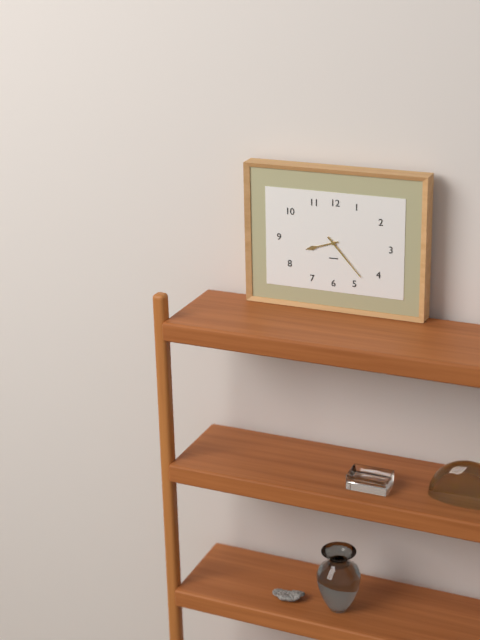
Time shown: **8:23**
